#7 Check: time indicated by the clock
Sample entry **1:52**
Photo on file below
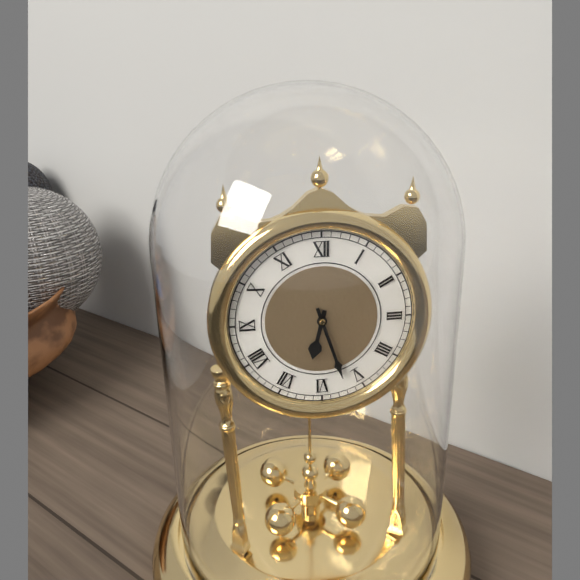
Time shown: **6:27**
